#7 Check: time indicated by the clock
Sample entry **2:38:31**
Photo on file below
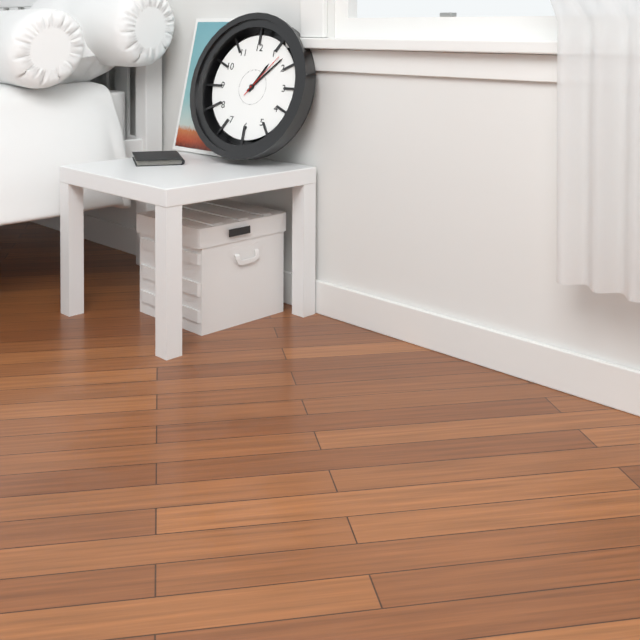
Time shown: **1:08:07**
